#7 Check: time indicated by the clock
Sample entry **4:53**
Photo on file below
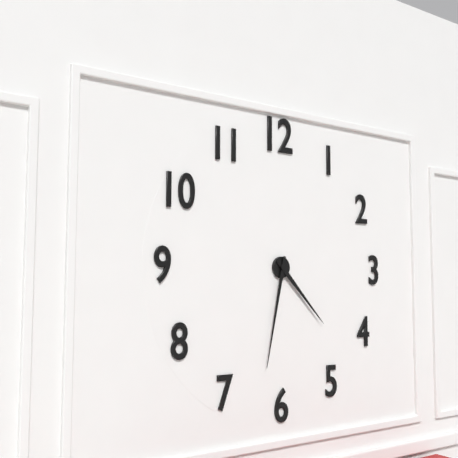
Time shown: **4:32**
